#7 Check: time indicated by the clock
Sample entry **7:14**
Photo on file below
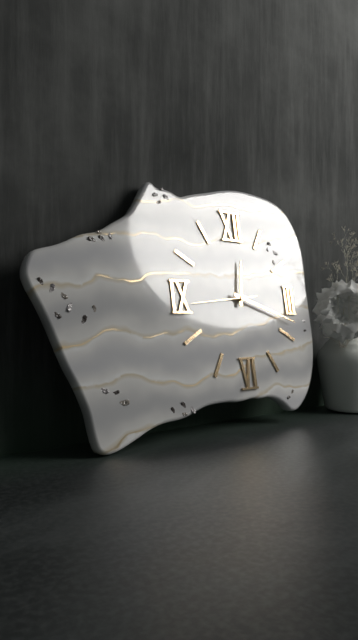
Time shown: **12:18**
